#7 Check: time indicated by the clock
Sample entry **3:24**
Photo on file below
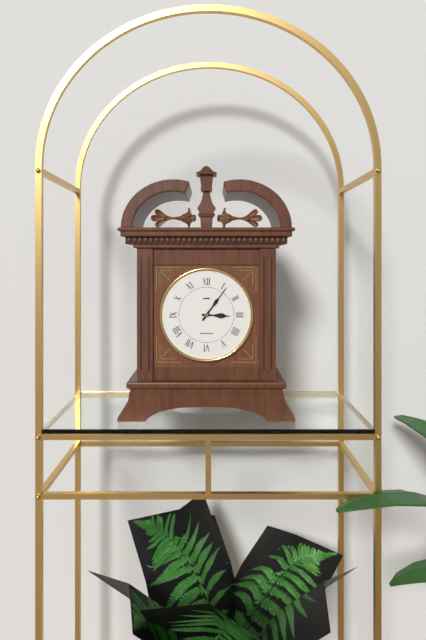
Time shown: **3:06**
